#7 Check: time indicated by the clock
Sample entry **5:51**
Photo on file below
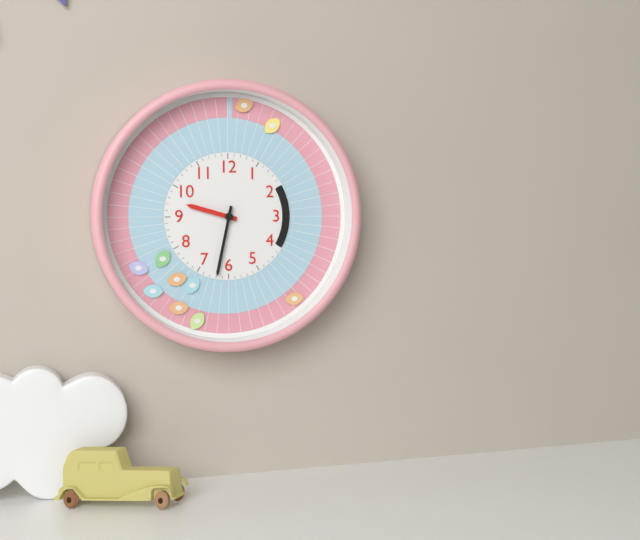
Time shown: **9:32**
